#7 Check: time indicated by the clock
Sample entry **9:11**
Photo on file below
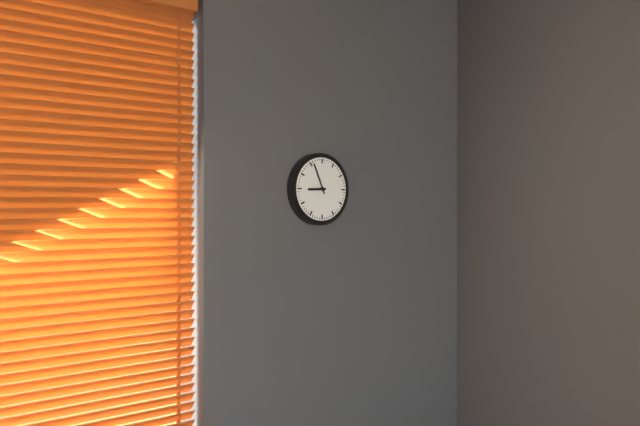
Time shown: **8:56**
